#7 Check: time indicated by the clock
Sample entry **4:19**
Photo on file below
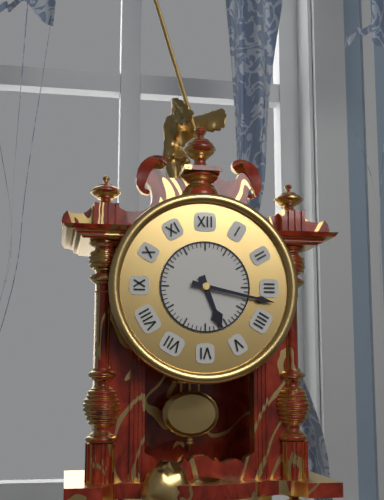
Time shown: **5:17**
